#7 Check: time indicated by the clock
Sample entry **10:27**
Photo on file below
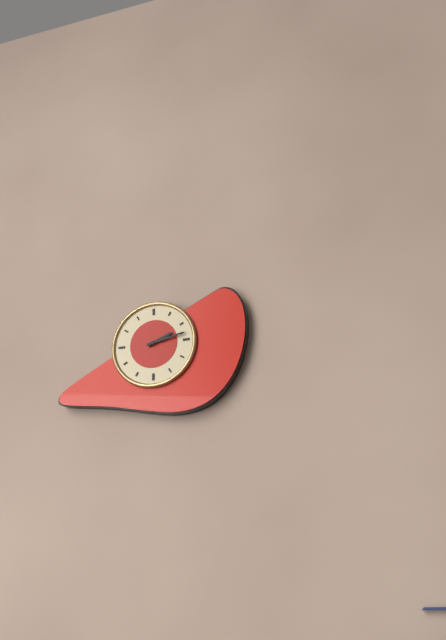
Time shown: **2:13**
